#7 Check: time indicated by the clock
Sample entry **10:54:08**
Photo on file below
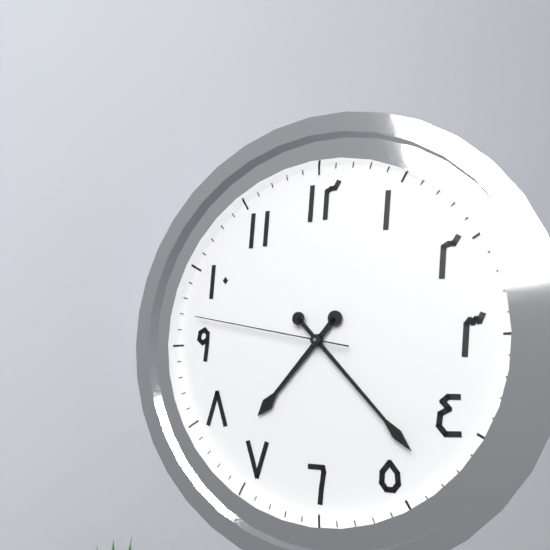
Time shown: **7:23:47**
